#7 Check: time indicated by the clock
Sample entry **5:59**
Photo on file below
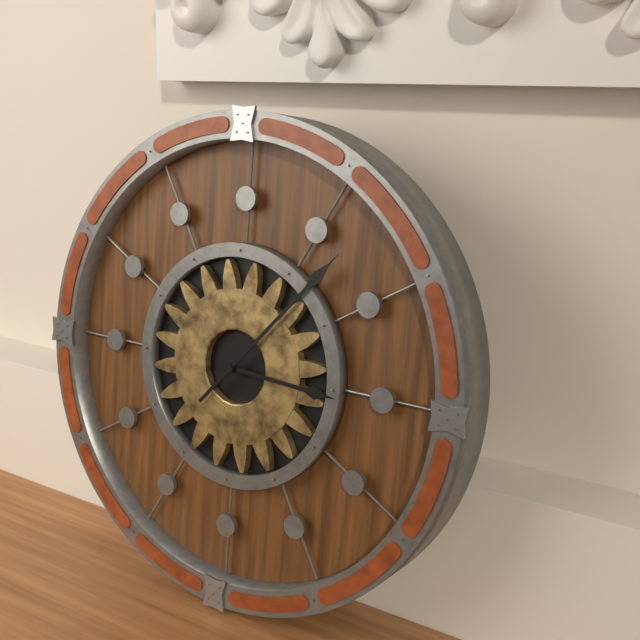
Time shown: **3:07**
